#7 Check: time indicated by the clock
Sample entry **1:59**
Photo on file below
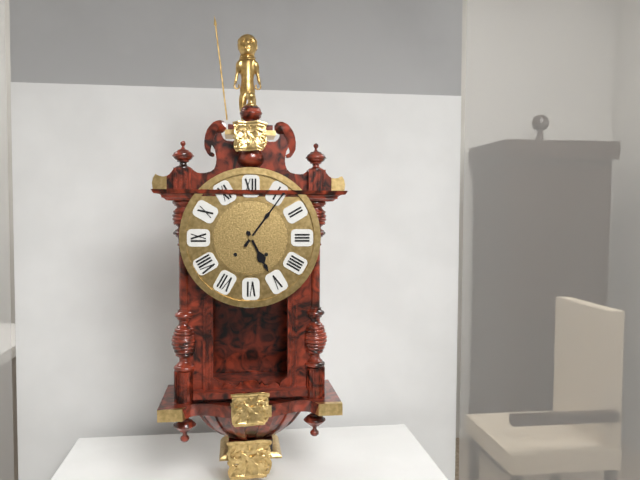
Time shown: **5:06**
